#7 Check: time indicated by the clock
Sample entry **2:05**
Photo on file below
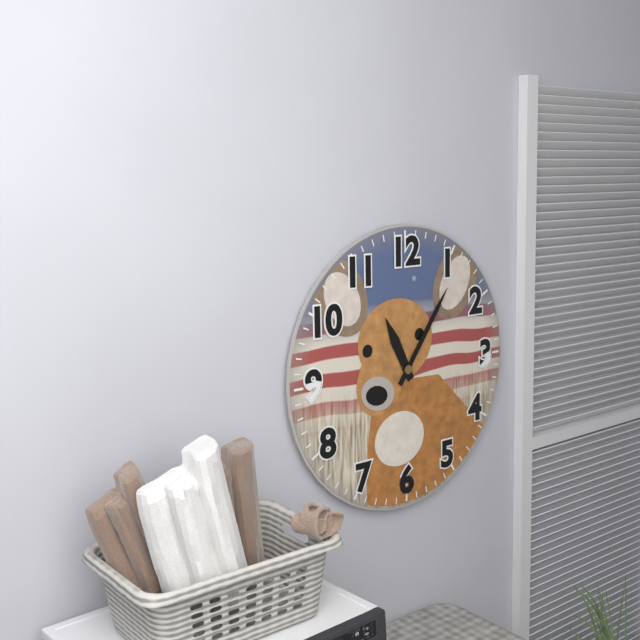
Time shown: **11:06**
